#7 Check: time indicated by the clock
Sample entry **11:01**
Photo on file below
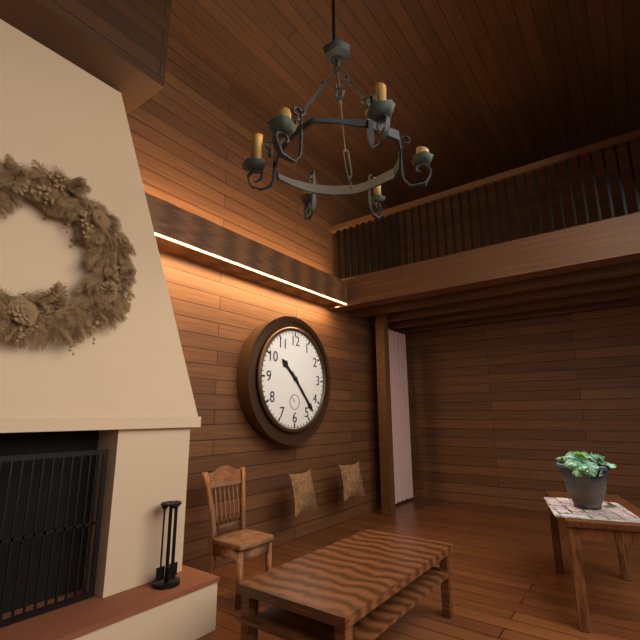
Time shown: **10:23**
